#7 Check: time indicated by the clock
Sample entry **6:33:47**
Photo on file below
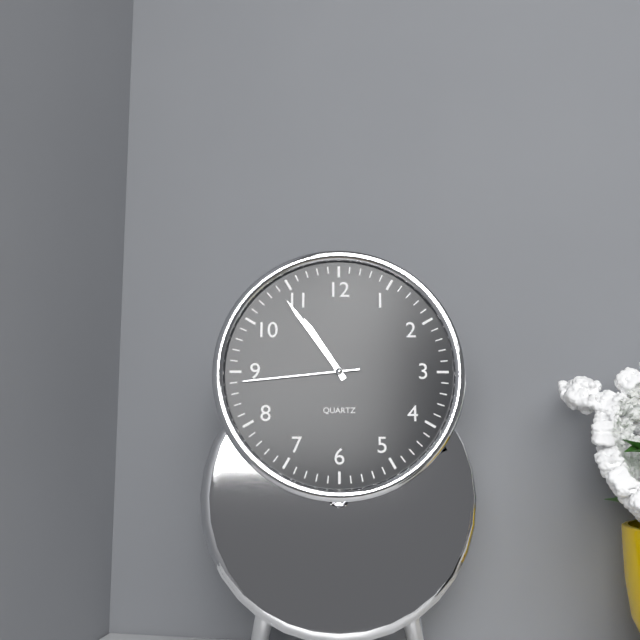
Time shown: **10:54:44**
